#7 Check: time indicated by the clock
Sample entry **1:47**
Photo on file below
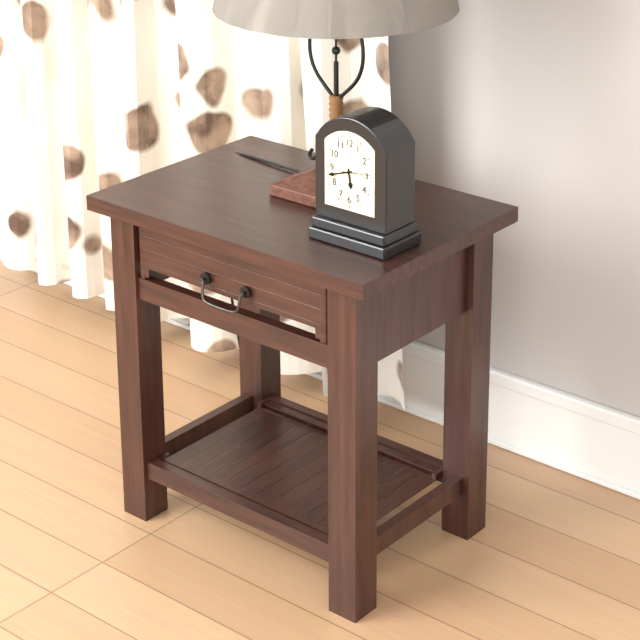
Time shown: **5:42**
